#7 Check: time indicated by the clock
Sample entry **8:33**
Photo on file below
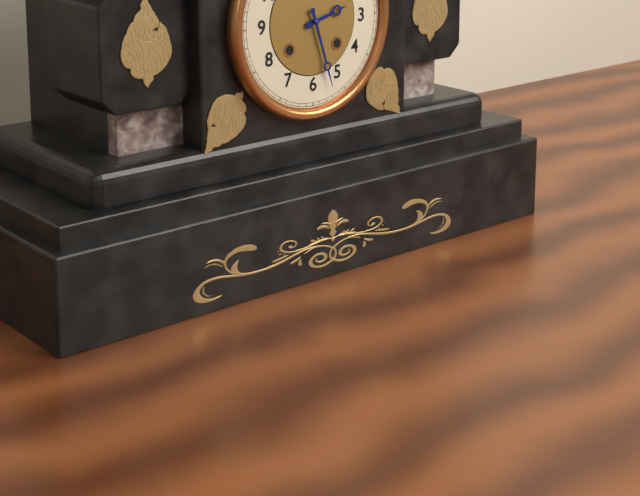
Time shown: **2:27**
